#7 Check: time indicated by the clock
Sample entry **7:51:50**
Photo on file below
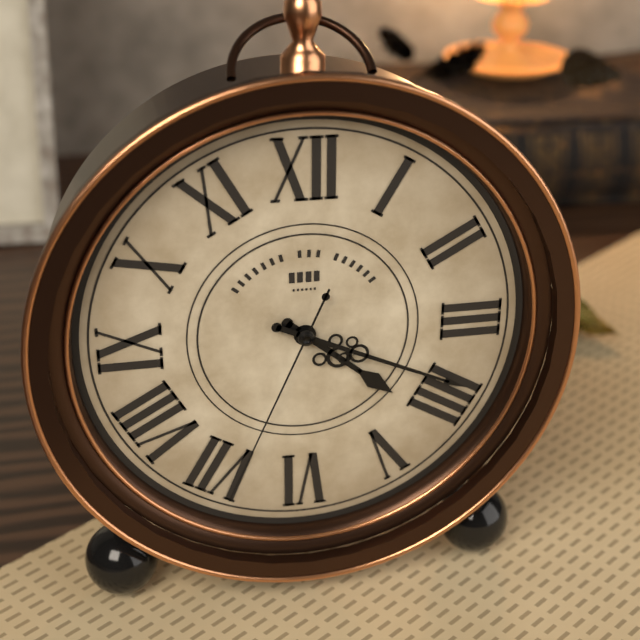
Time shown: **4:19:34**
